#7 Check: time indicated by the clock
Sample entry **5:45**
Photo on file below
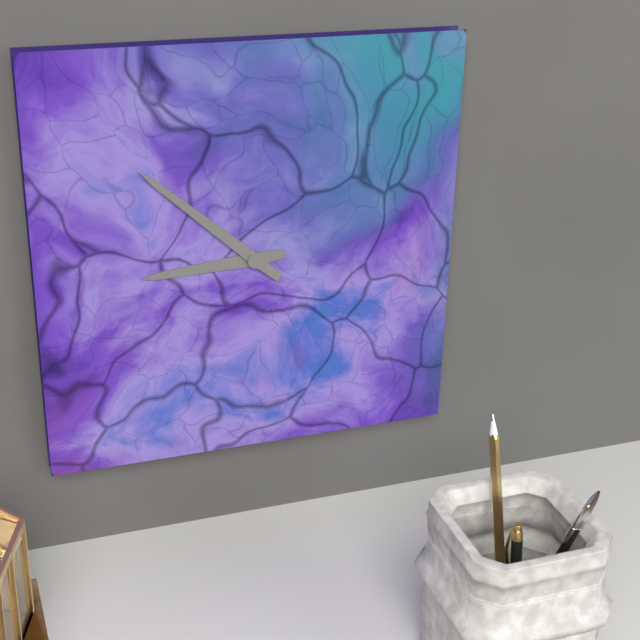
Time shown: **8:52**
